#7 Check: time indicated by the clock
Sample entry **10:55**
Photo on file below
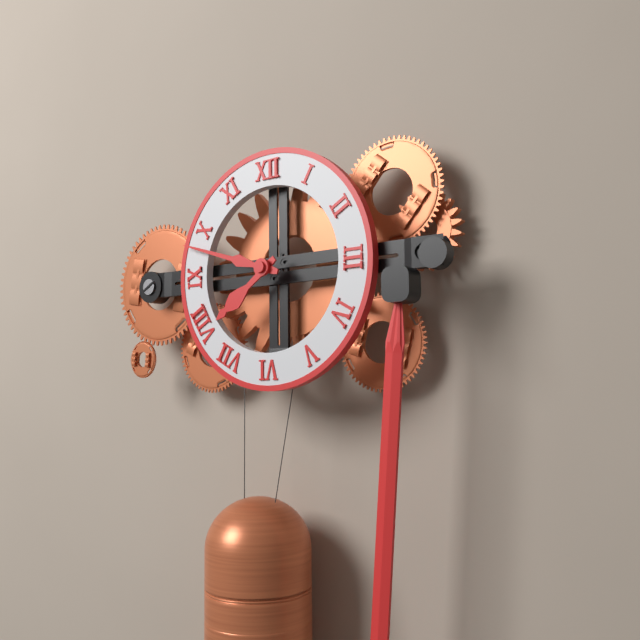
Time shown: **7:48**
